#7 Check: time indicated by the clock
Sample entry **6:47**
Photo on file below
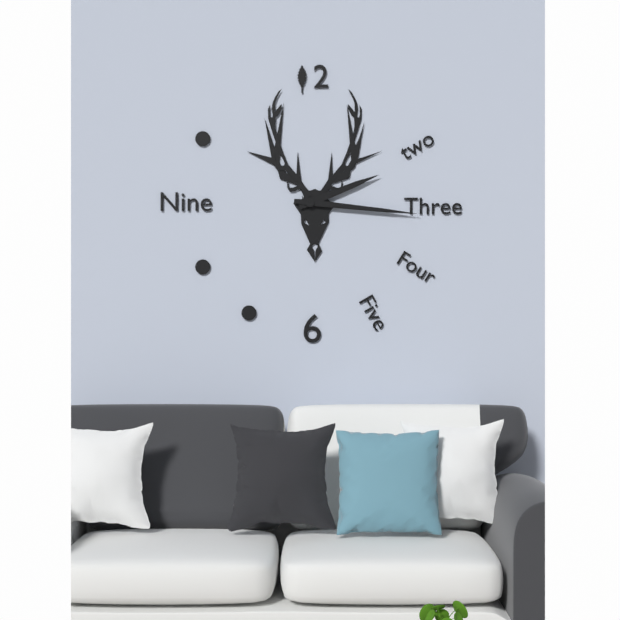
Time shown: **2:16**
